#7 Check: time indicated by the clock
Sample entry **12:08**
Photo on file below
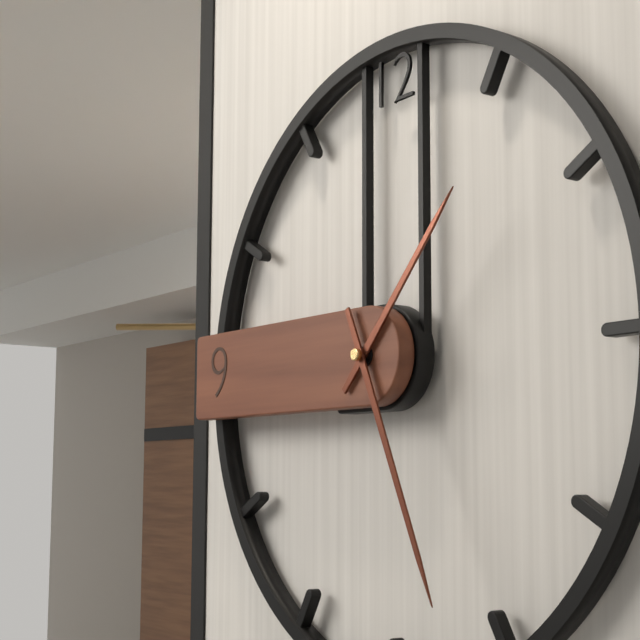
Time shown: **1:26**
